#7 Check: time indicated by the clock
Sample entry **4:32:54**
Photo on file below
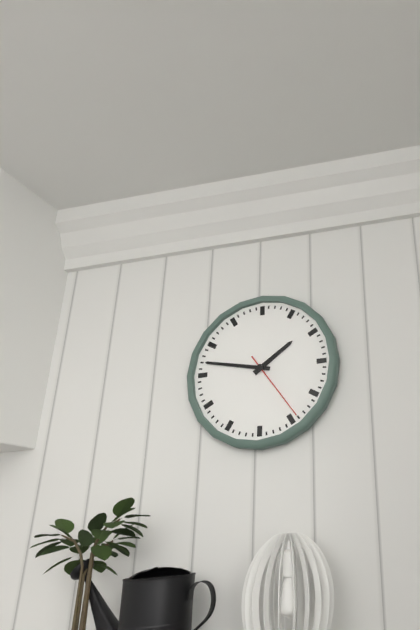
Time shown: **1:47:24**
